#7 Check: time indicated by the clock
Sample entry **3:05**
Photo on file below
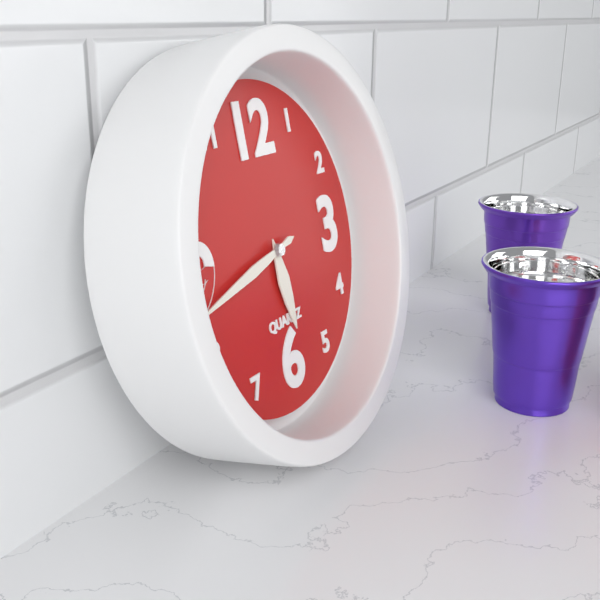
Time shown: **5:43**
